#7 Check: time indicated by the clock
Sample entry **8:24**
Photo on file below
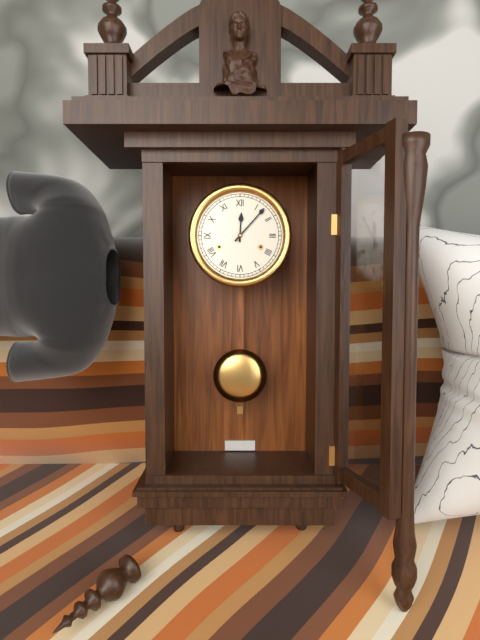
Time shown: **12:07**
